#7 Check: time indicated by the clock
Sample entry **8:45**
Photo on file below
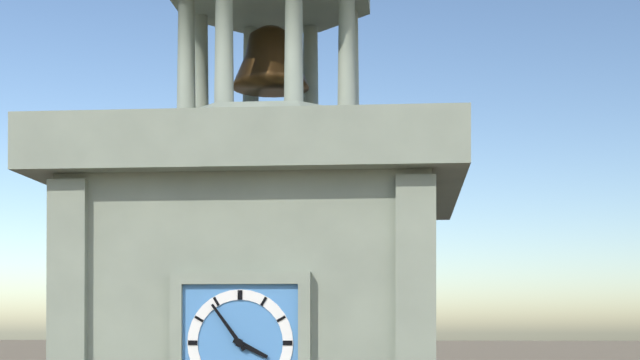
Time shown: **3:54**
